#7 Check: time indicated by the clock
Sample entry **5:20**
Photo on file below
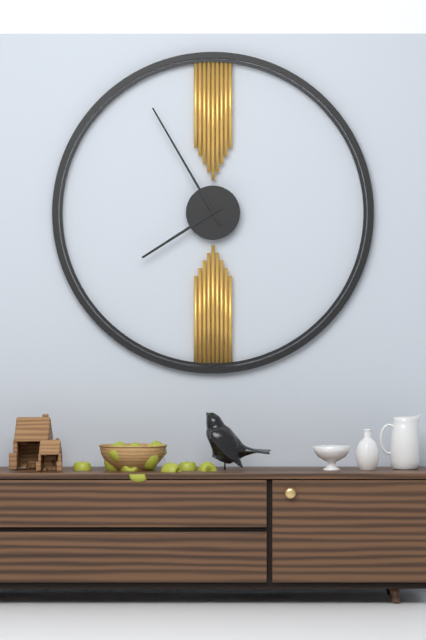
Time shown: **7:55**
